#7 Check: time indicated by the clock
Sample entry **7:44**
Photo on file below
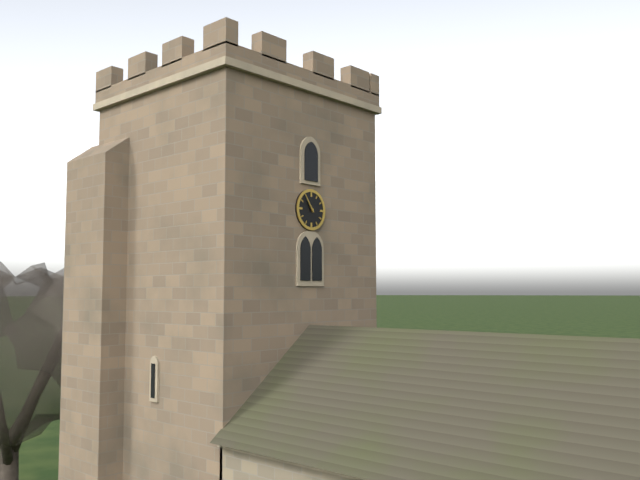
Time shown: **10:54**
